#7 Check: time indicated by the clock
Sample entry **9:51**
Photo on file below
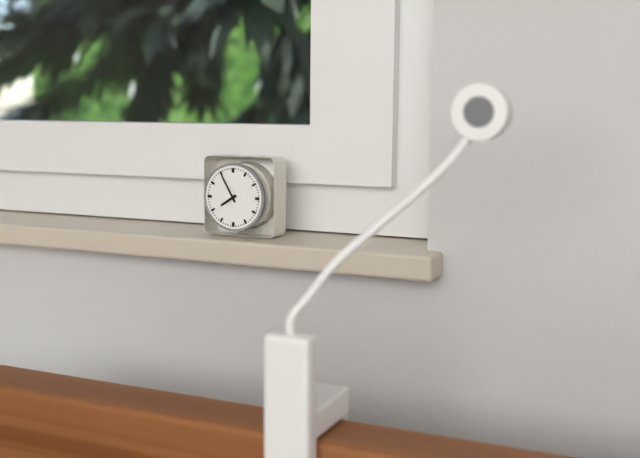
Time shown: **7:55**
